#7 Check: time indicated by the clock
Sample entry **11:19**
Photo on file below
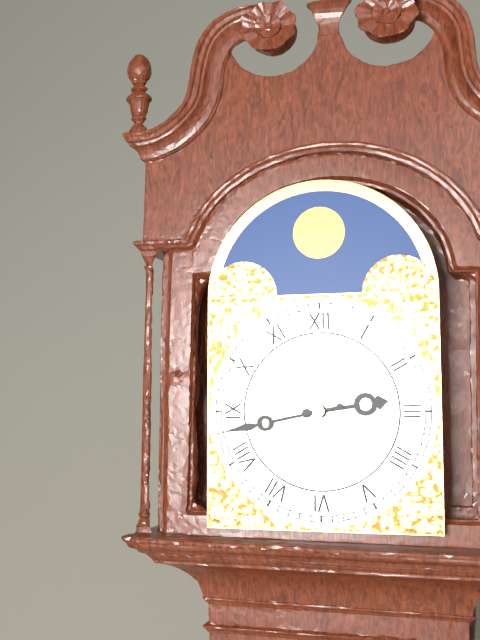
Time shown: **2:43**
